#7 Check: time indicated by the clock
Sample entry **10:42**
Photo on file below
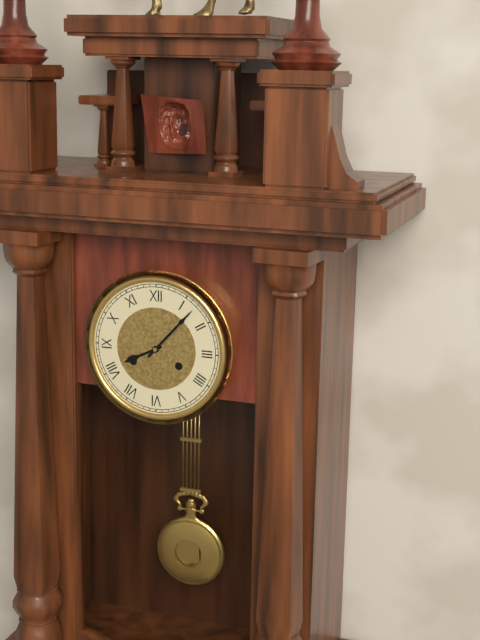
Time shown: **8:07**
